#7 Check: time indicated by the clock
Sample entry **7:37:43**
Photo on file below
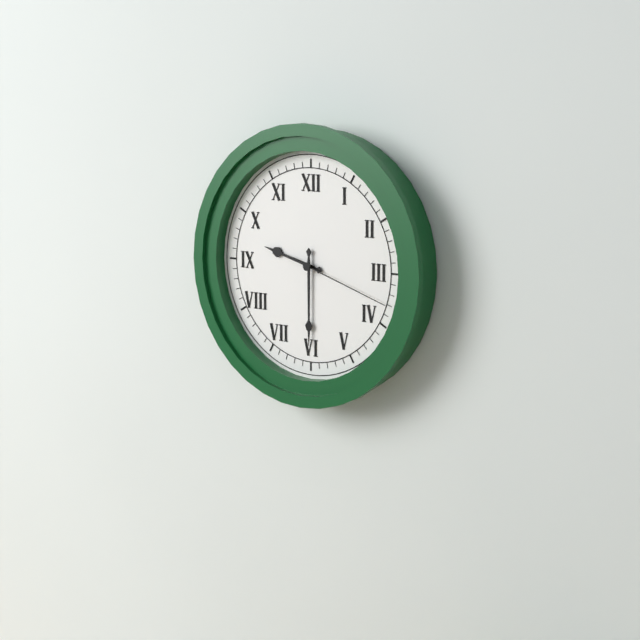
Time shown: **9:30:18**
